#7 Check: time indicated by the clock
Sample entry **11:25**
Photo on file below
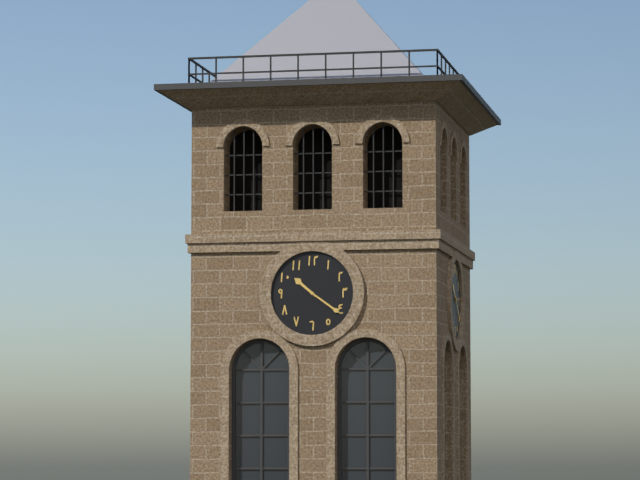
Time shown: **10:21**
